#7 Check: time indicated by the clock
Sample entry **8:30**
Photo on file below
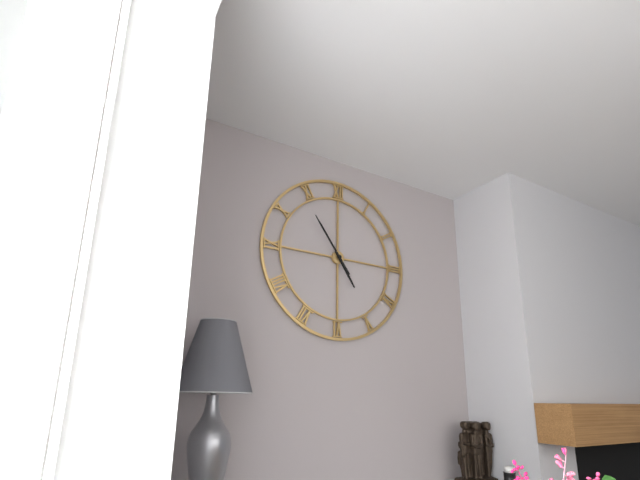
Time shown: **4:54**
